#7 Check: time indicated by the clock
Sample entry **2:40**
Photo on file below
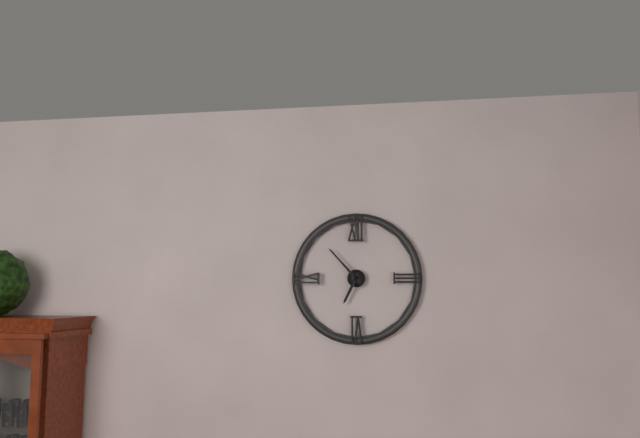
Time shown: **6:53**
